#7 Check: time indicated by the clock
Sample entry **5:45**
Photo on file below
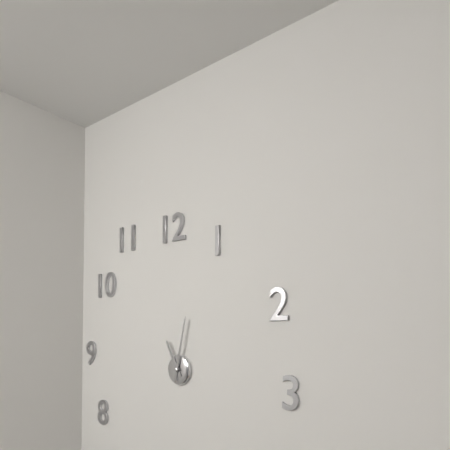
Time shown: **11:02**
